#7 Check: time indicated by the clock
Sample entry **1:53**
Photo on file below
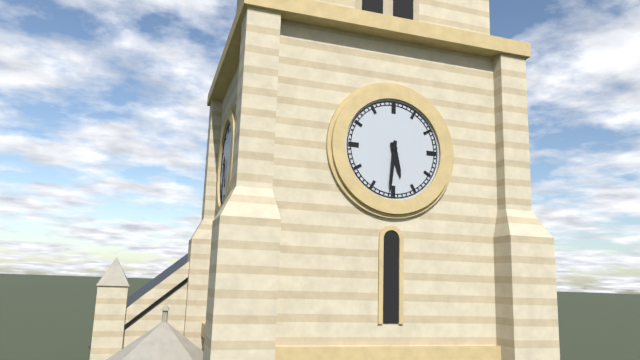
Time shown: **5:31**
